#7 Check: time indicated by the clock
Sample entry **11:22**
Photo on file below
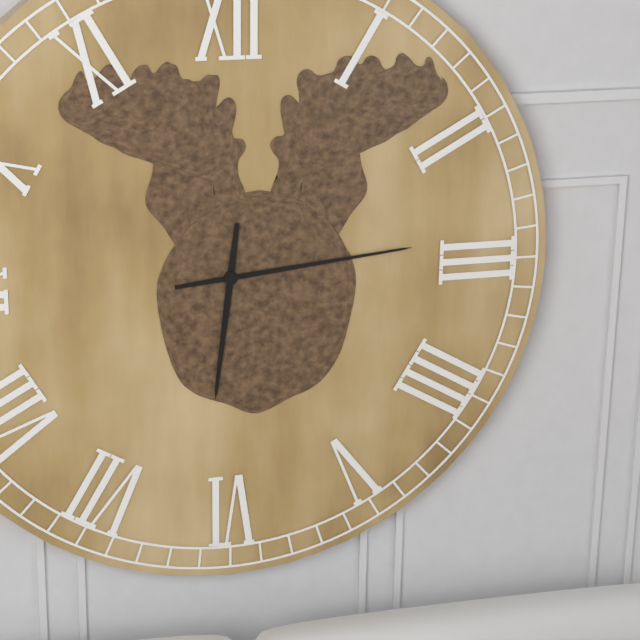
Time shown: **6:14**
